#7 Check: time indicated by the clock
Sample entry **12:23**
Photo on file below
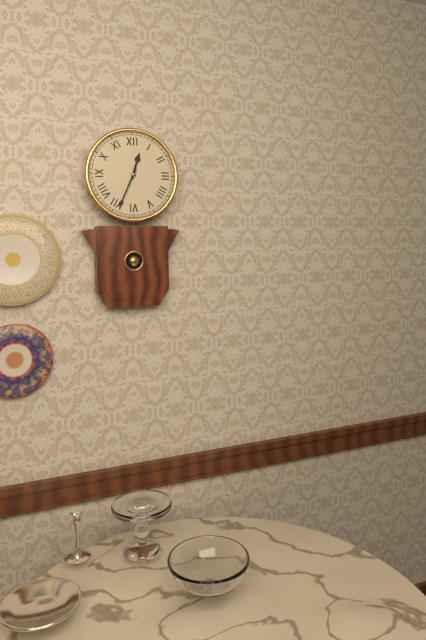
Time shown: **12:34**
